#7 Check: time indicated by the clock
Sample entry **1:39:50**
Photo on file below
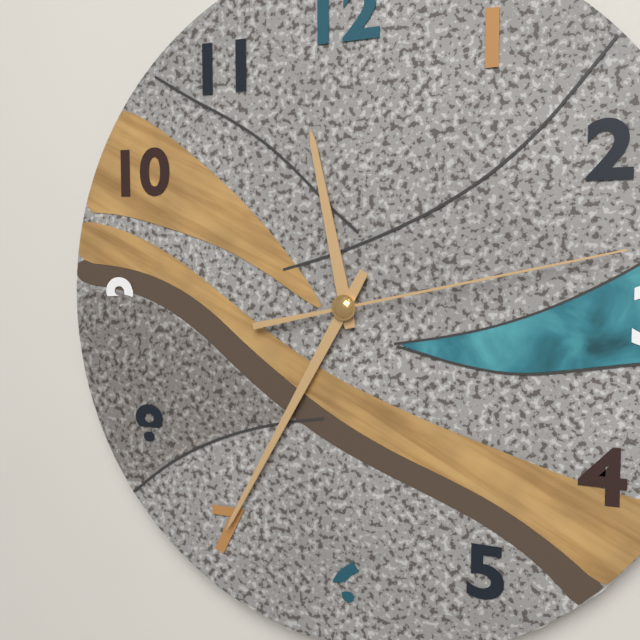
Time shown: **11:35:13**
